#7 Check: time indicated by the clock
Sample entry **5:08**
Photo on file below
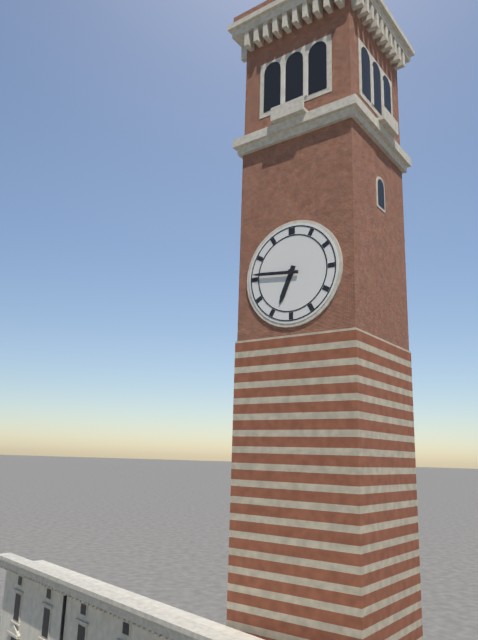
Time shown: **6:46**
